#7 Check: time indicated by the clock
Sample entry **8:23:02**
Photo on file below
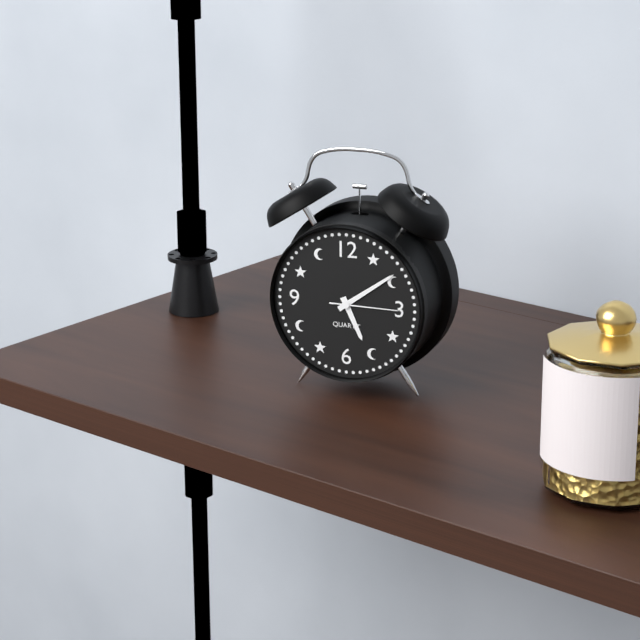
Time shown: **5:09:15**
